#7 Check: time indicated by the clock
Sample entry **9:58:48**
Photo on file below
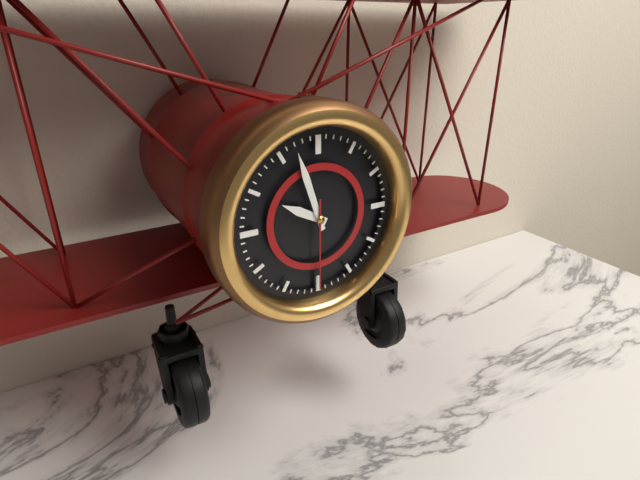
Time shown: **9:57:30**
